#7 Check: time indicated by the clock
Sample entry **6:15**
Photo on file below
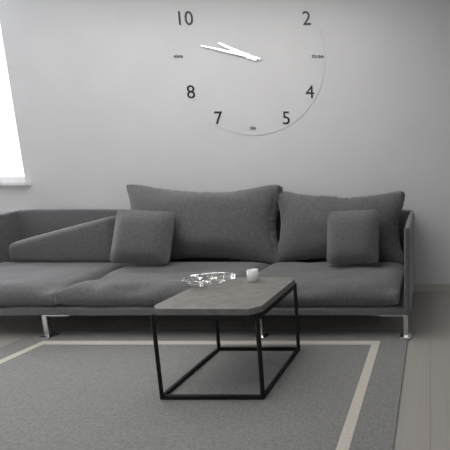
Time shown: **9:47**
